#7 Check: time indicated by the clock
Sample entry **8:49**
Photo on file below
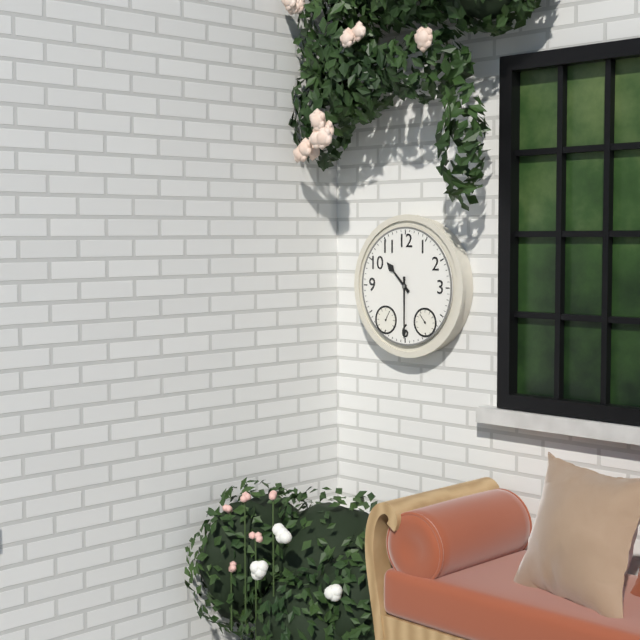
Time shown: **10:30**
